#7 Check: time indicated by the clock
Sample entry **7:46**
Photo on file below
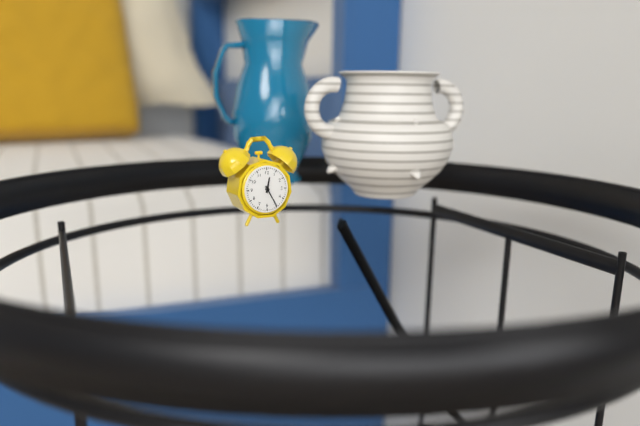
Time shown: **12:25**
